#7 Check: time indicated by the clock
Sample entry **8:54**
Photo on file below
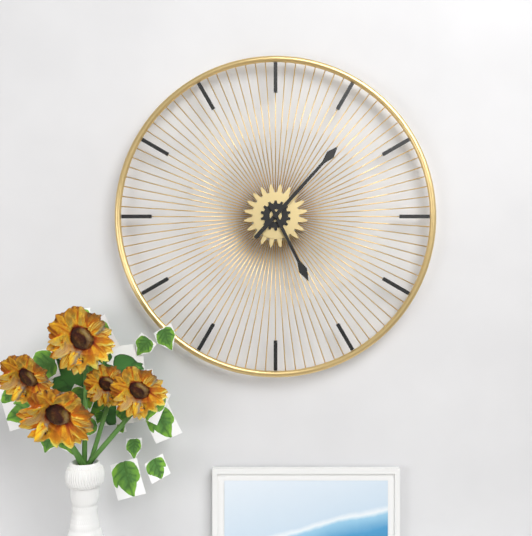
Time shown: **5:07**
